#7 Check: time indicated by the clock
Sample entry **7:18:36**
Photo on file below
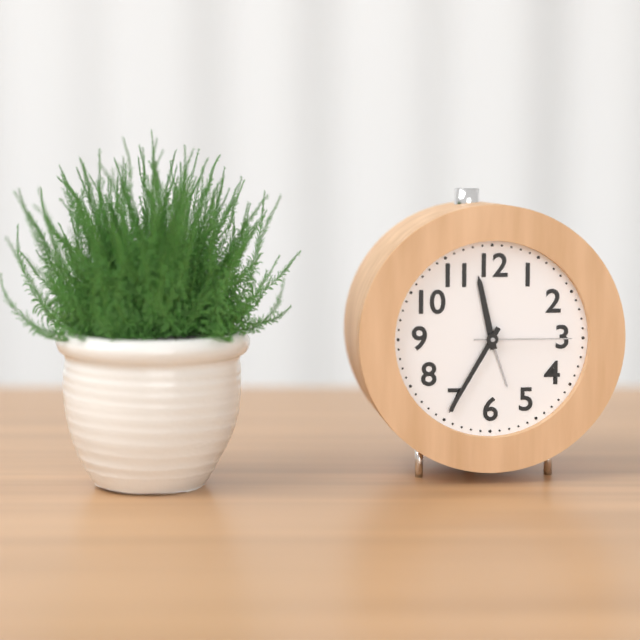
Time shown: **11:35:15**
